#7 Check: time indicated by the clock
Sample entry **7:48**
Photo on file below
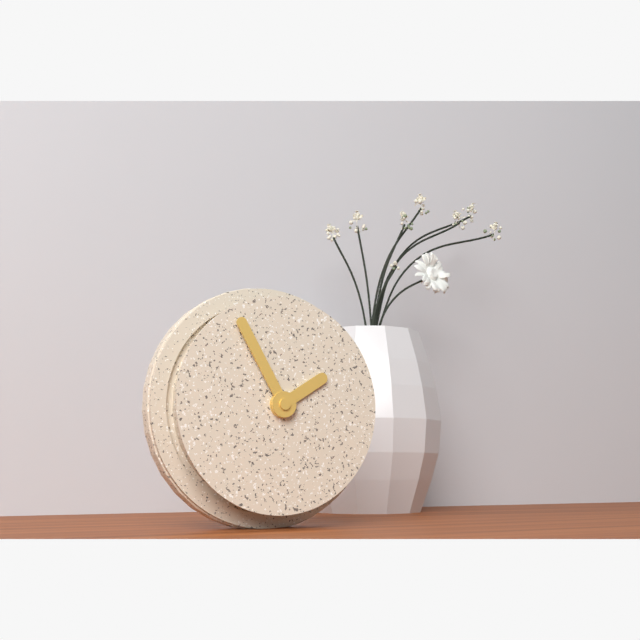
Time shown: **1:55**
